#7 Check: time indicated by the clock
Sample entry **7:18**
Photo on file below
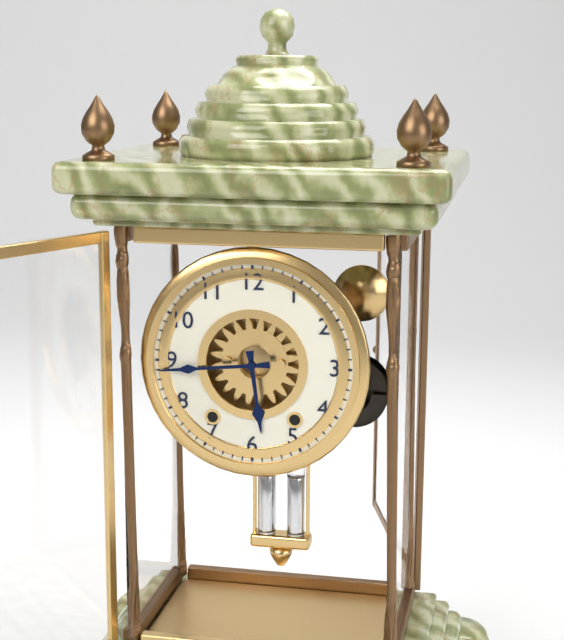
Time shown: **5:44**
